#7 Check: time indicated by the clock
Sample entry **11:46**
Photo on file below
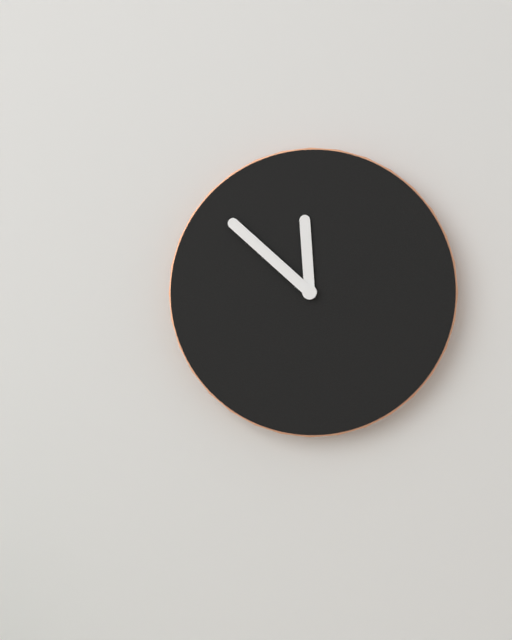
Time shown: **11:52**
